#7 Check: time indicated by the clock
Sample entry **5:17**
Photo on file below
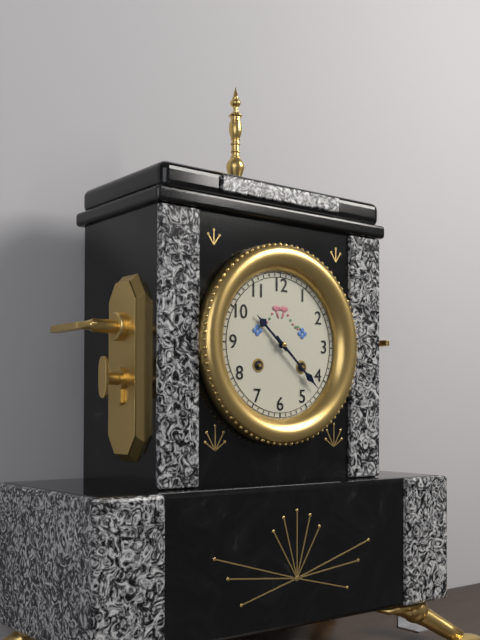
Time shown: **10:22**
